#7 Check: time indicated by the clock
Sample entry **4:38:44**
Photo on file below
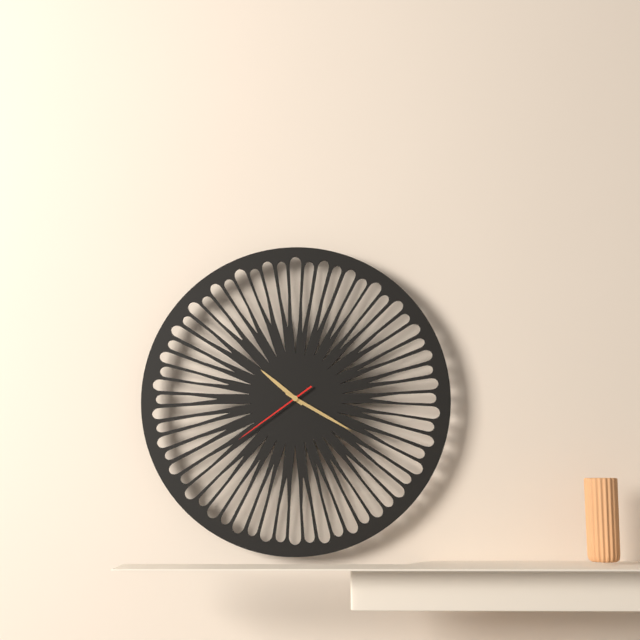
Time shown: **10:20:39**
